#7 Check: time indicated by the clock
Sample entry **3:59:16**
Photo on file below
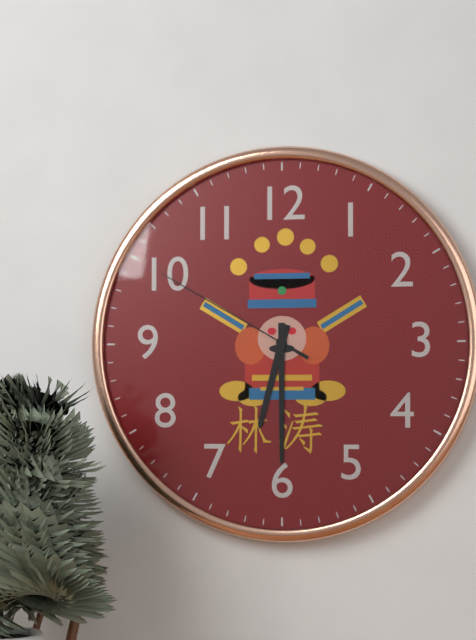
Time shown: **6:30:50**
